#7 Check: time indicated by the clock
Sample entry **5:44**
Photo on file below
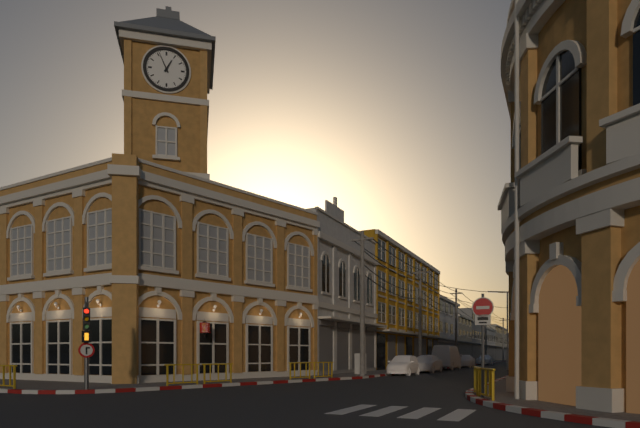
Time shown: **12:56**
